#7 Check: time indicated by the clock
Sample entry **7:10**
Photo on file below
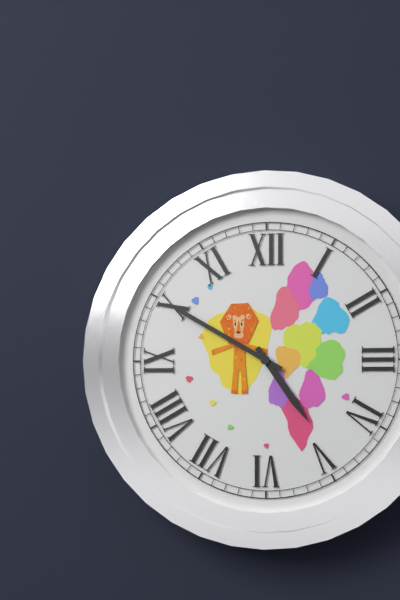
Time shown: **4:50**
